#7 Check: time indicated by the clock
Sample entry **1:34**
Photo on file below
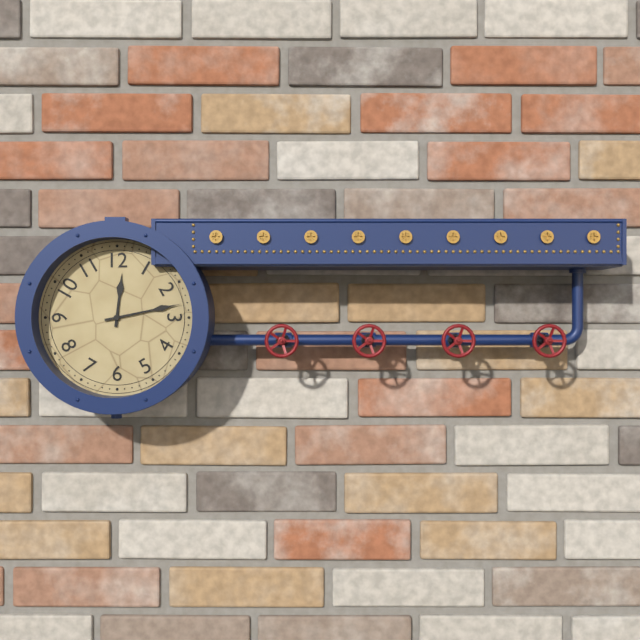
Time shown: **12:13**
